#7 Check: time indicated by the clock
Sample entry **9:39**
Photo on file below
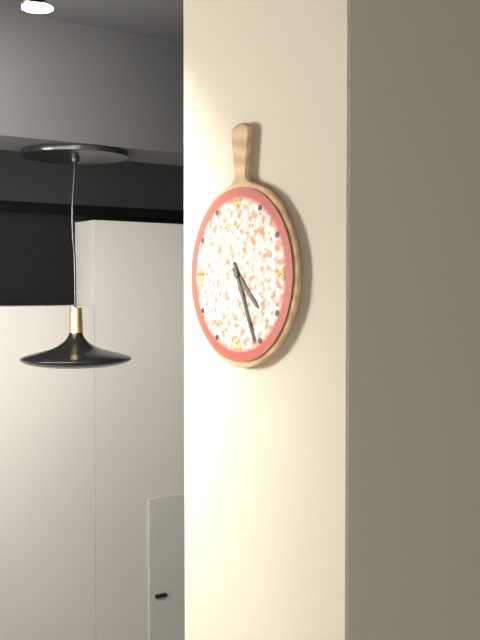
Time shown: **4:26**
